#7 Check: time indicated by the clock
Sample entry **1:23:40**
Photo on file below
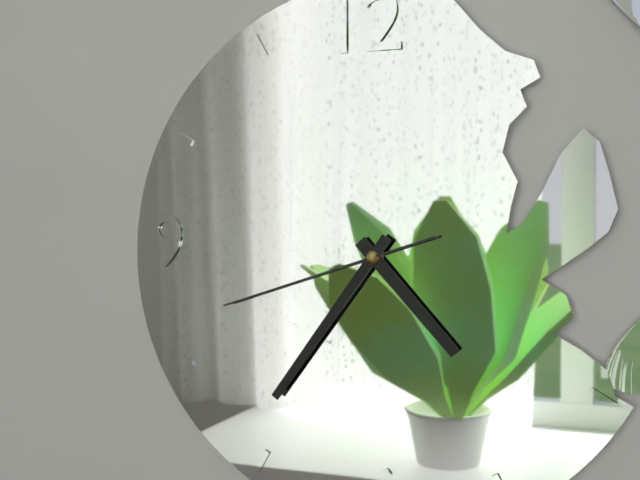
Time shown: **4:36:42**
